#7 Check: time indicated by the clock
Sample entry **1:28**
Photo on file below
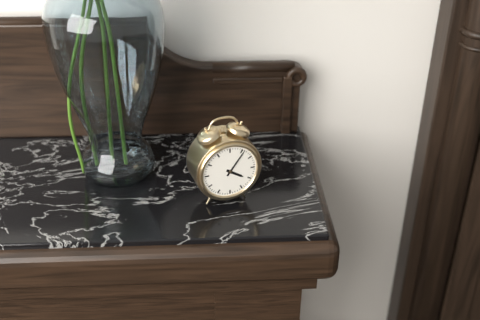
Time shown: **4:06**
